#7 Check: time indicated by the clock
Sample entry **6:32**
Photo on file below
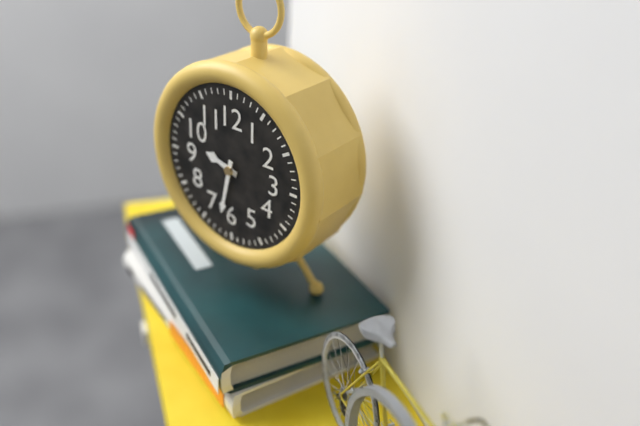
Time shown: **9:32**
